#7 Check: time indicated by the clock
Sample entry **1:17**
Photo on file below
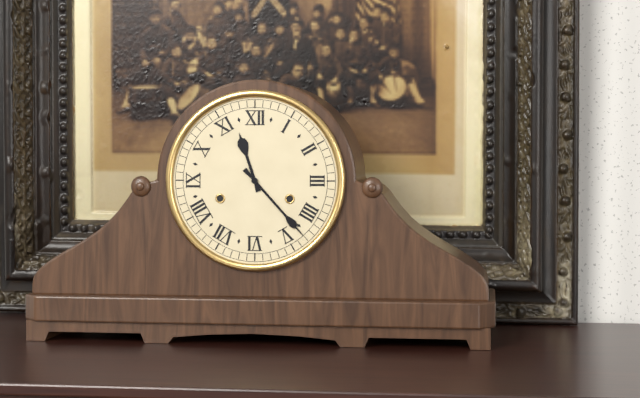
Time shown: **11:23**
